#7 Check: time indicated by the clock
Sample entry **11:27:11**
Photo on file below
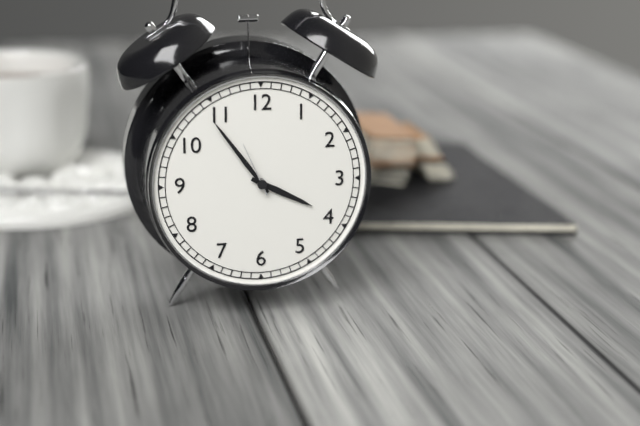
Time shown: **3:54:56**
